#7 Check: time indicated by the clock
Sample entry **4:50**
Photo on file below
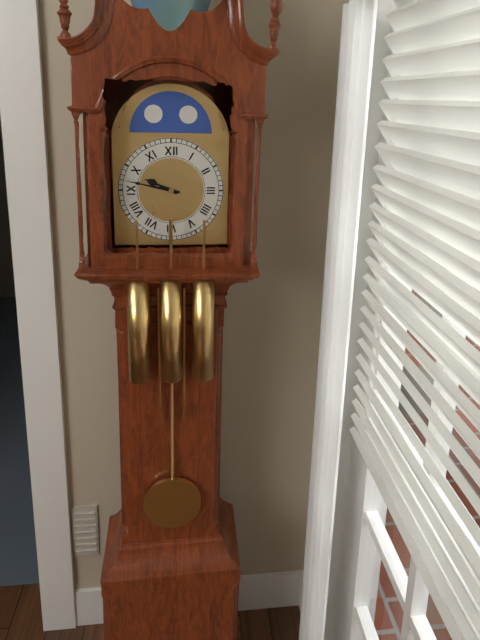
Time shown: **9:47**
